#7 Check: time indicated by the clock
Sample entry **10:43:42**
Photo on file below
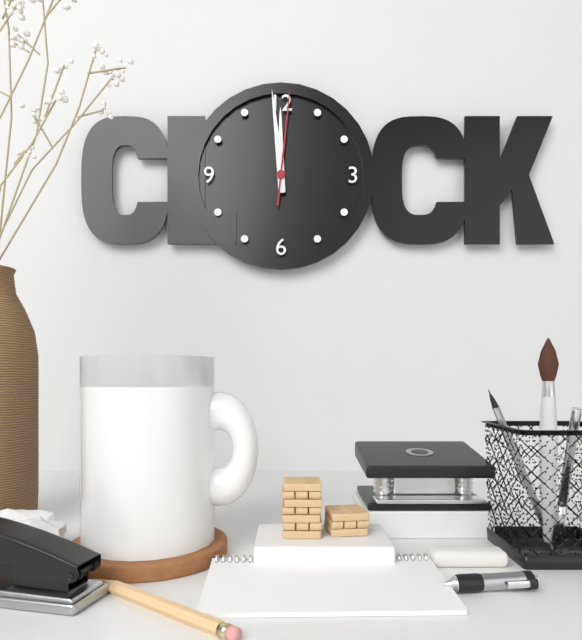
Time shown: **11:59:01**
